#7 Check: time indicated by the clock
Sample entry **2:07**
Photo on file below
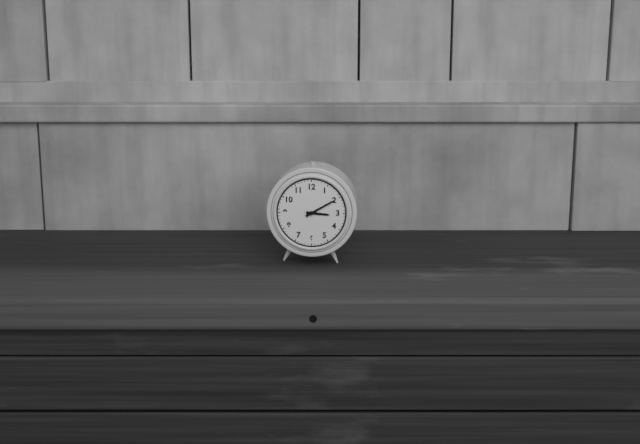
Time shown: **3:10**
